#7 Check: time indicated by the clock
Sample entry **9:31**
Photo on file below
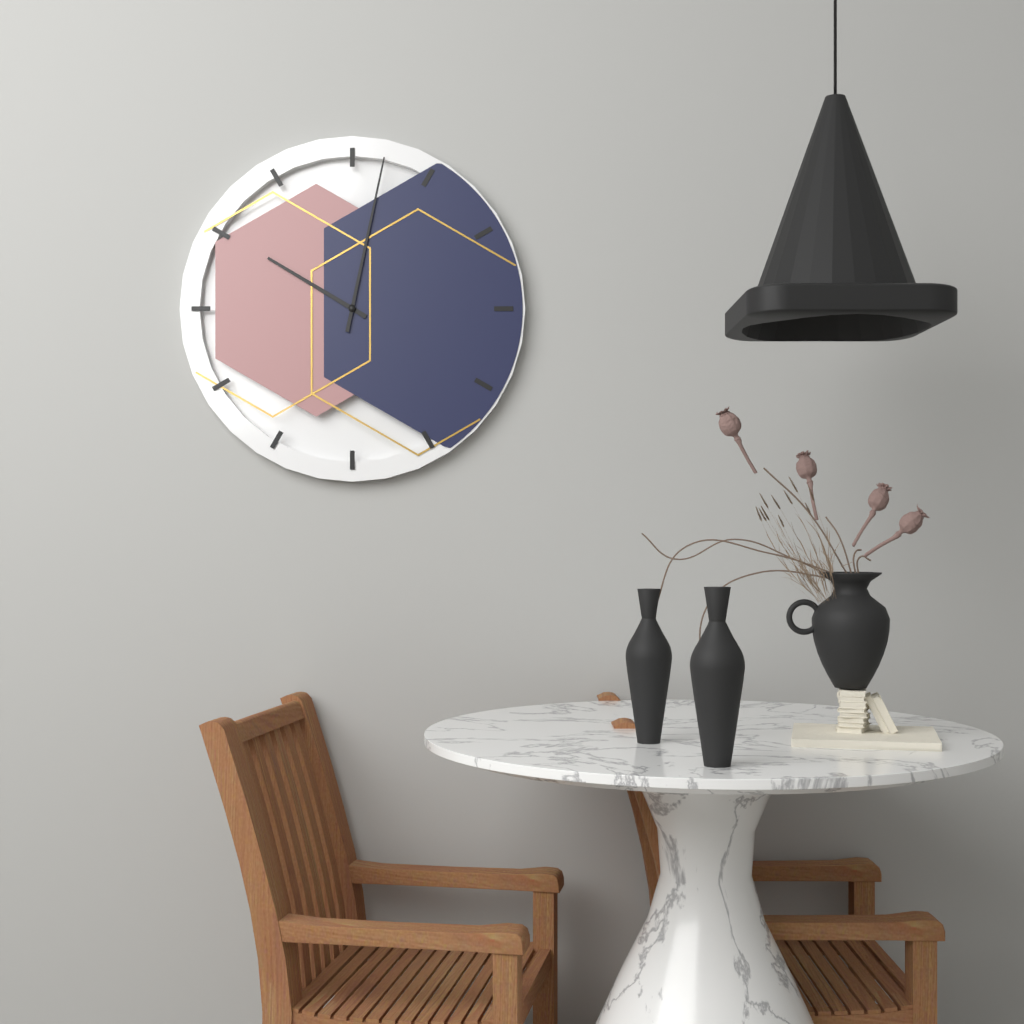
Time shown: **10:02**
